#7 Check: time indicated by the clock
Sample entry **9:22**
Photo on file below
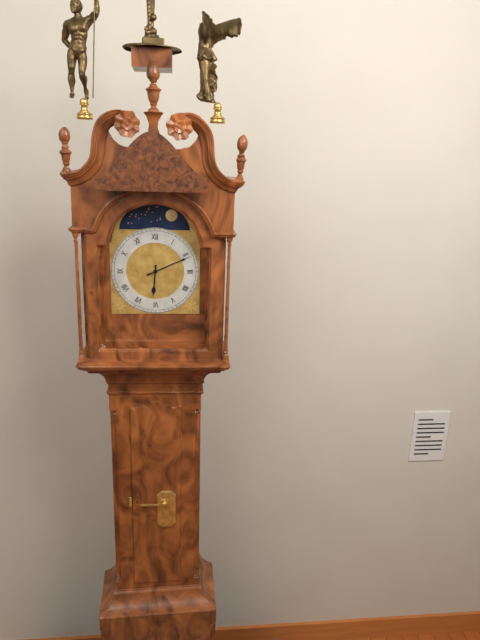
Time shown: **6:11**
